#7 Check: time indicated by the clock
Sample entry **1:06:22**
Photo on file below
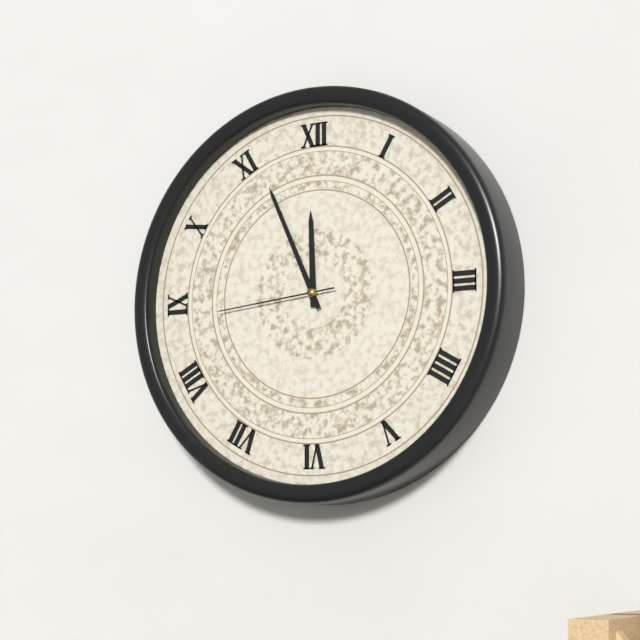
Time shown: **11:56:44**
